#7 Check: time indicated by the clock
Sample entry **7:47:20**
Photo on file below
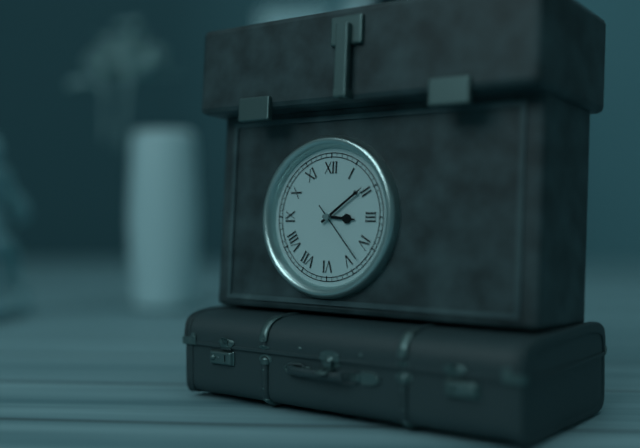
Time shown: **3:09:23**
